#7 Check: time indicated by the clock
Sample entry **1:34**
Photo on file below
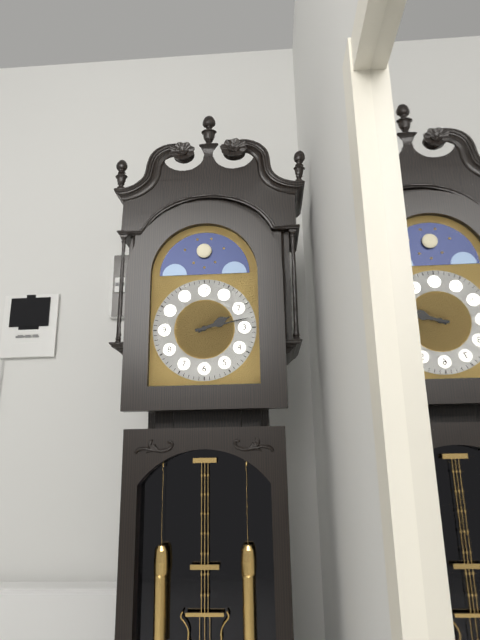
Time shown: **2:13**
